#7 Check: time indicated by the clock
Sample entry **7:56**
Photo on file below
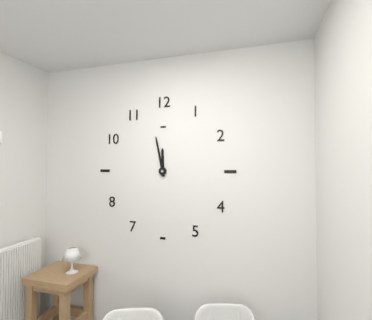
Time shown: **11:58**
